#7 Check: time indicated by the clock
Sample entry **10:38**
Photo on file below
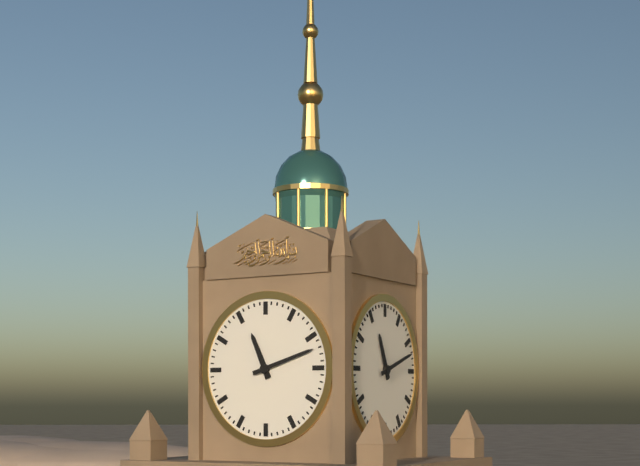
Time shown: **11:12**
